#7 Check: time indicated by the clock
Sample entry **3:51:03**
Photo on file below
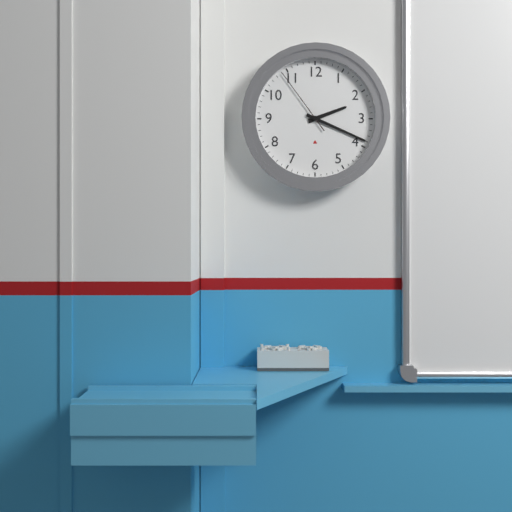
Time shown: **2:19:54**
